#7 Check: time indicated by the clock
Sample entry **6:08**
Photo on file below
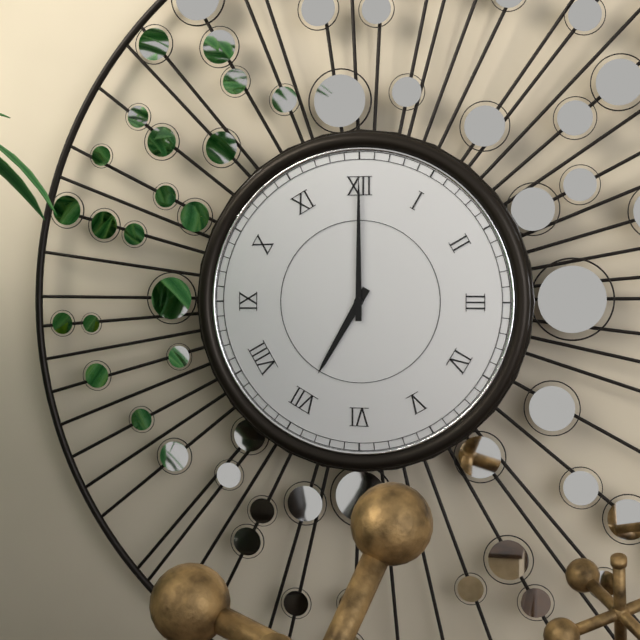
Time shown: **7:00**
